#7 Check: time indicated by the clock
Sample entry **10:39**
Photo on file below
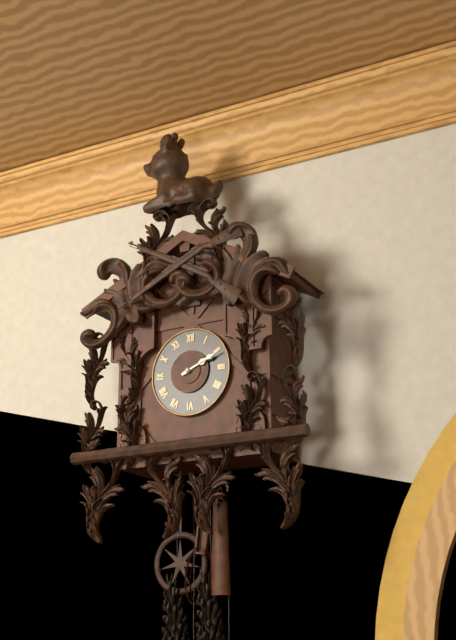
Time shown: **2:11**
